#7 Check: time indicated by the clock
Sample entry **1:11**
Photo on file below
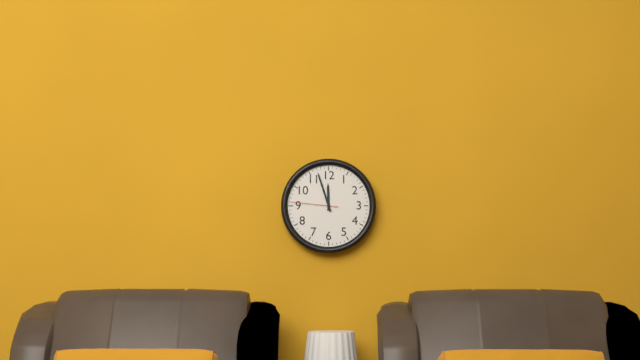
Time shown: **11:57**
